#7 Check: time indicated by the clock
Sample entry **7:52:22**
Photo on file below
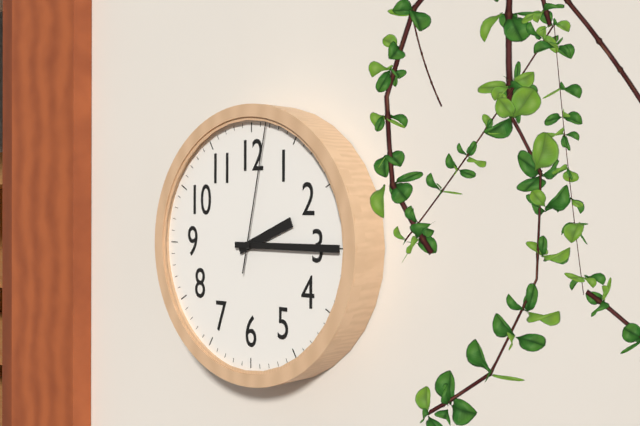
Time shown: **2:15:02**
